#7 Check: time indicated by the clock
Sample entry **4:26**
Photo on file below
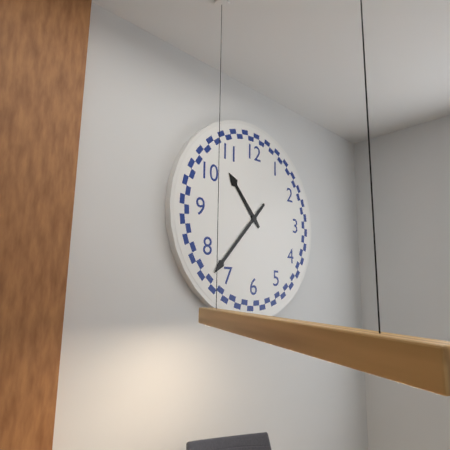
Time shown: **10:37**
